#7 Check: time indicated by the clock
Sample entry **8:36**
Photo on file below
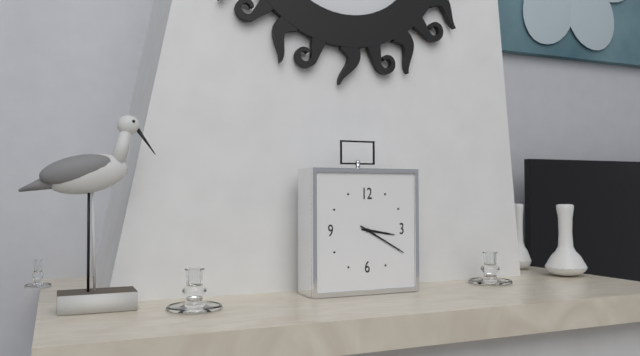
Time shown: **3:20**
